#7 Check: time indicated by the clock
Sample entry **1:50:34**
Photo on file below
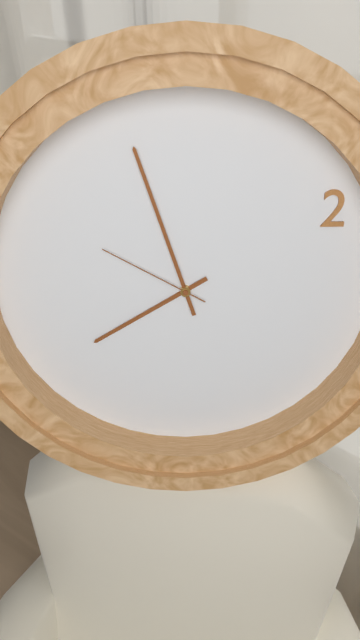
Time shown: **7:57:50**
